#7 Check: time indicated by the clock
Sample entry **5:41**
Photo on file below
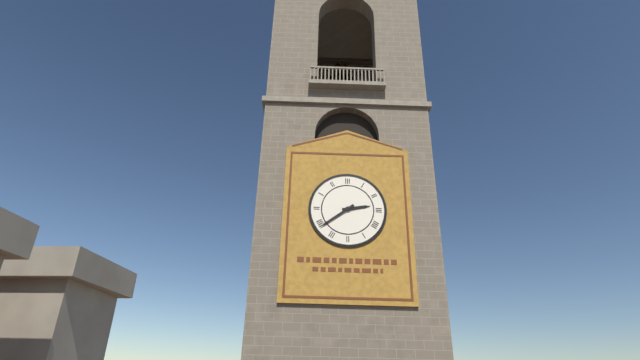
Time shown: **2:39**
